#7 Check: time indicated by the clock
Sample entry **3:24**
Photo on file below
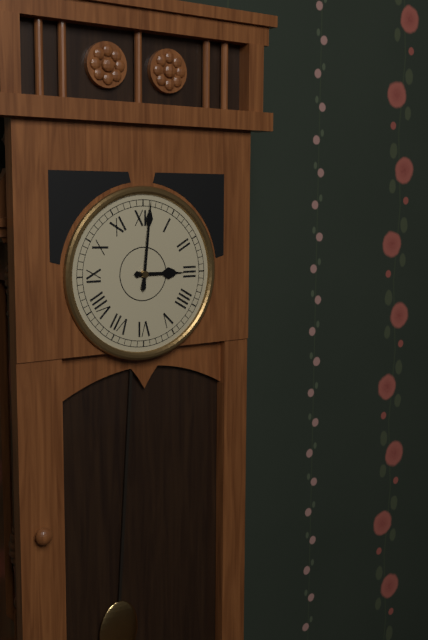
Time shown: **3:01**
